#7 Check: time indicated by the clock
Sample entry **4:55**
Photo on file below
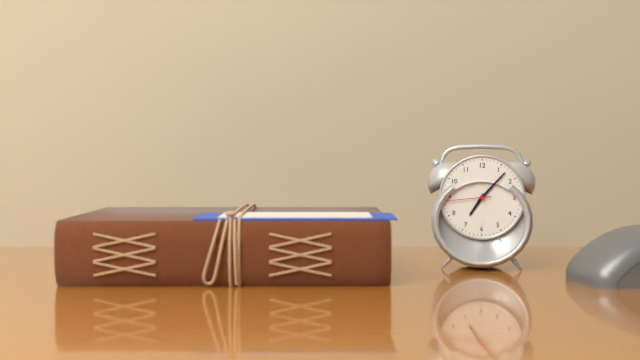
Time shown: **7:07**
